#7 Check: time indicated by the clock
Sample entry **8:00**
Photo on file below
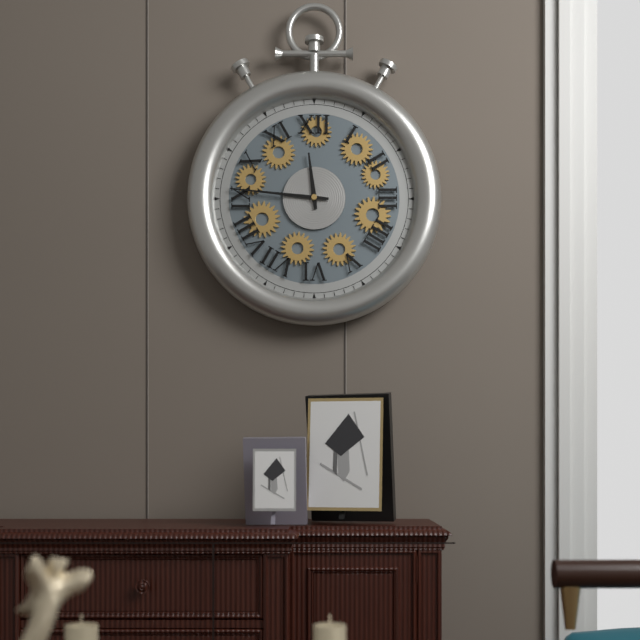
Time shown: **11:46**
